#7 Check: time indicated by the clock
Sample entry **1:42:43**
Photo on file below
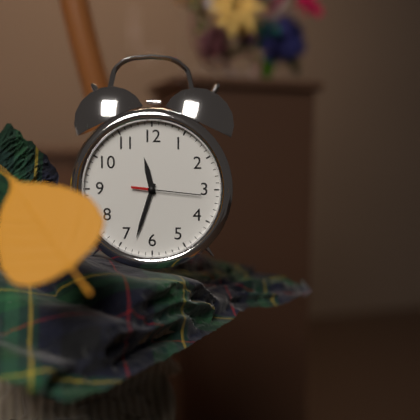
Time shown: **11:33:16**
